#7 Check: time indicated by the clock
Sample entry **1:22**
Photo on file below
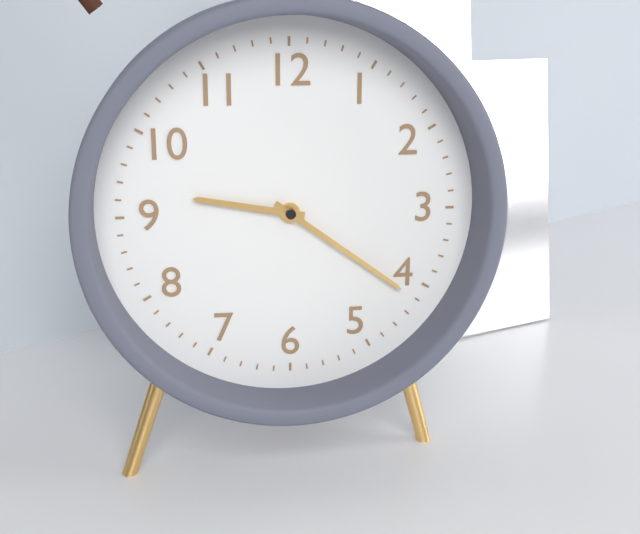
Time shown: **9:21**
